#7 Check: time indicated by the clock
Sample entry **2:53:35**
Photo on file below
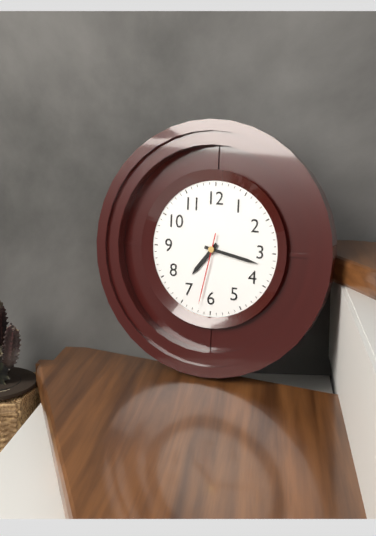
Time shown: **7:17:32**
